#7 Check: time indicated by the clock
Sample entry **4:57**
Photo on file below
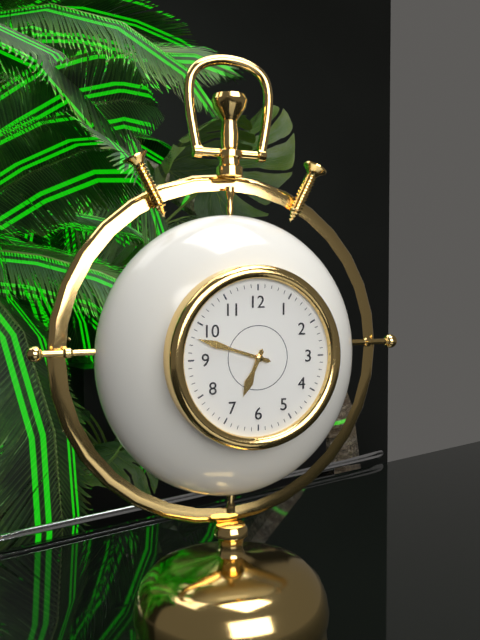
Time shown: **6:48**
